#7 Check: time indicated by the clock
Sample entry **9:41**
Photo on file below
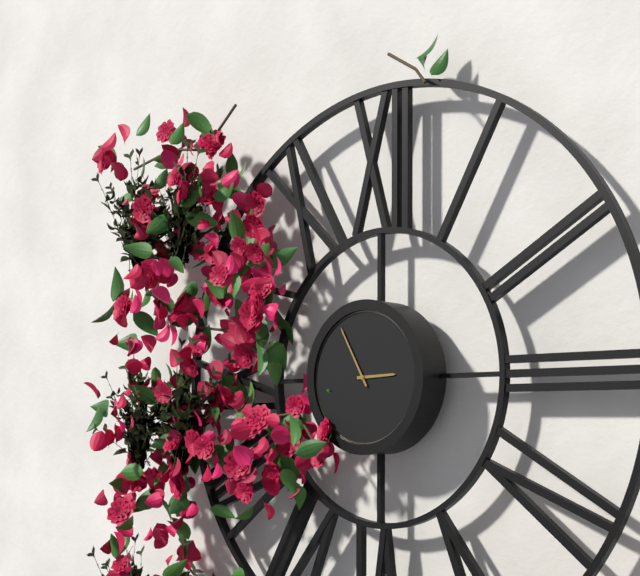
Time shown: **2:55**
